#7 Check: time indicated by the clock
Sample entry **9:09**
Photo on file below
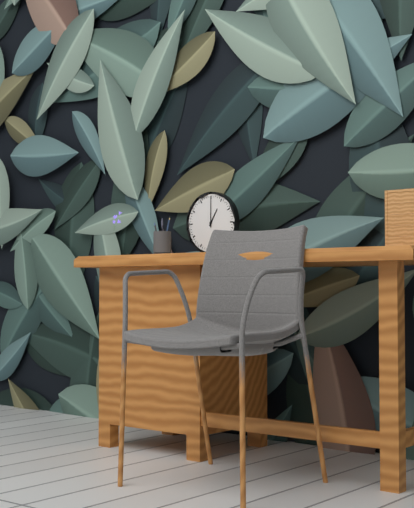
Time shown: **1:00**
